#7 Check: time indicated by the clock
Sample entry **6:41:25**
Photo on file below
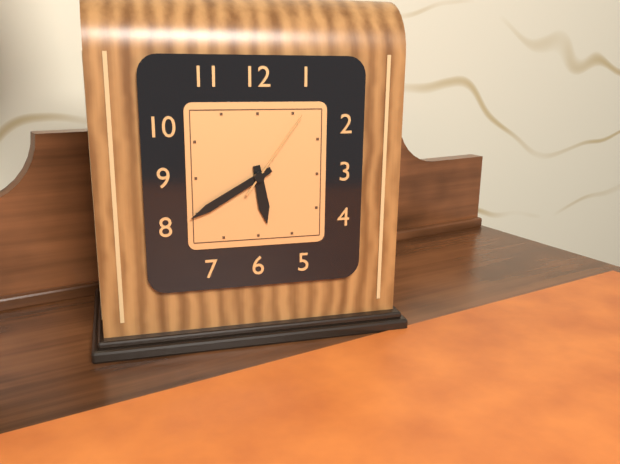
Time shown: **5:40:06**
